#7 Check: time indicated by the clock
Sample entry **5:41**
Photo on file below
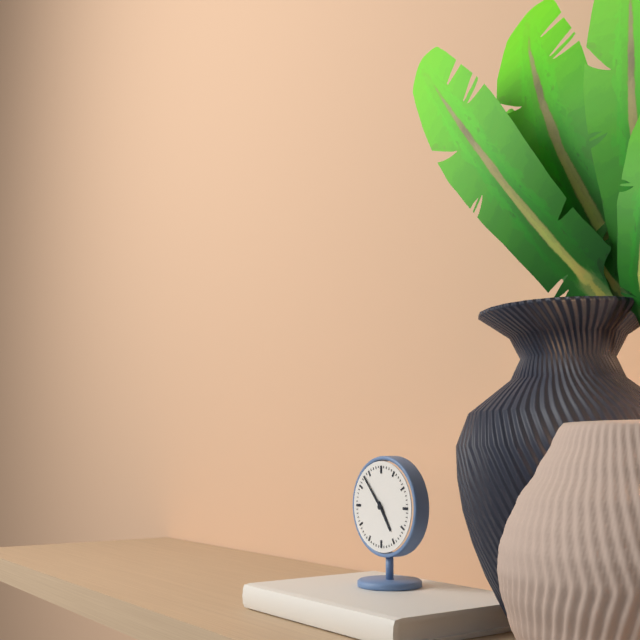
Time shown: **4:53**
